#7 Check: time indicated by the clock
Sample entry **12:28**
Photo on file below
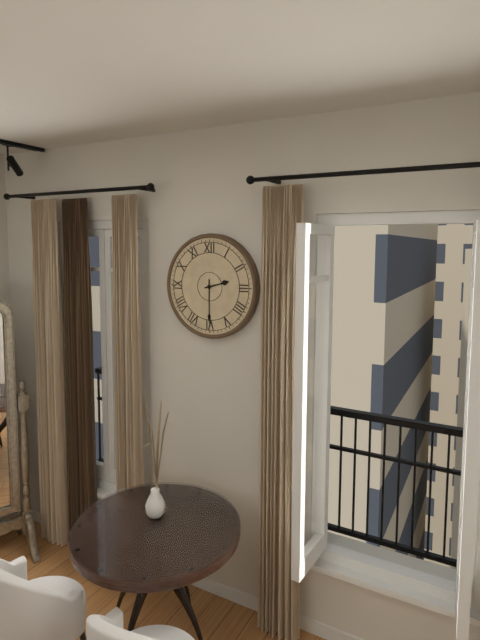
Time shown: **2:30**
